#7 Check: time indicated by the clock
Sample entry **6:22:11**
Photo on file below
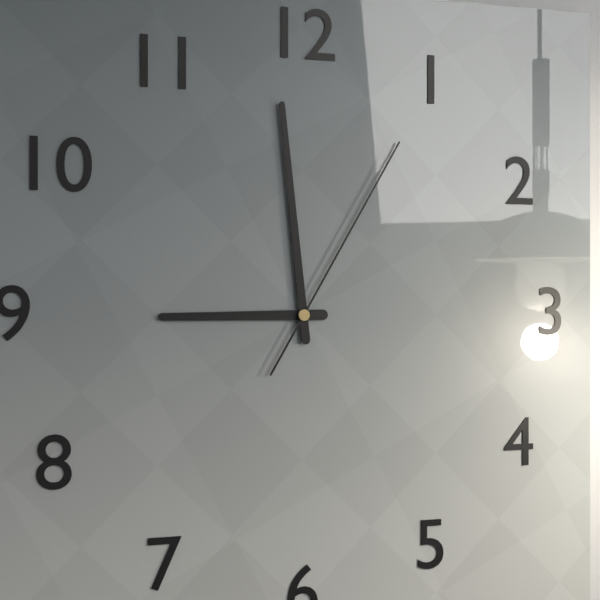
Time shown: **8:59:05**
